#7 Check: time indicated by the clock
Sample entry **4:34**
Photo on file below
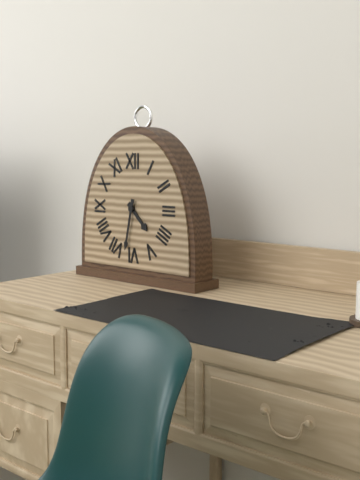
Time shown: **4:32**
